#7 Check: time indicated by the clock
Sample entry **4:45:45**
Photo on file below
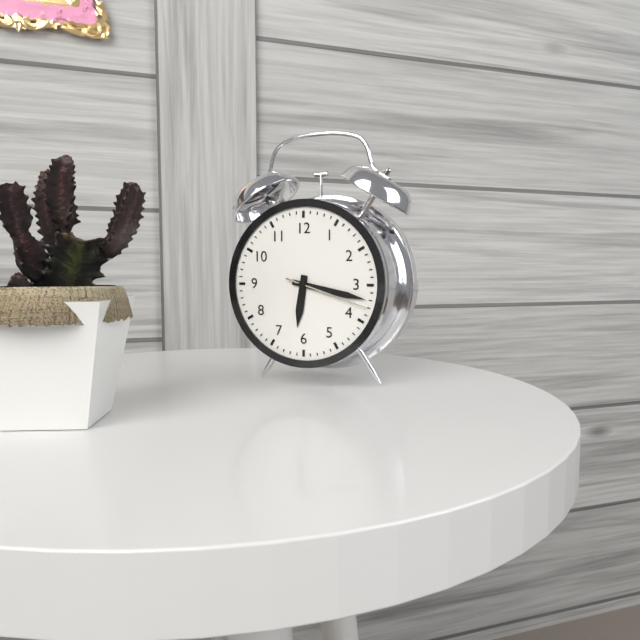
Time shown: **6:17:18**
